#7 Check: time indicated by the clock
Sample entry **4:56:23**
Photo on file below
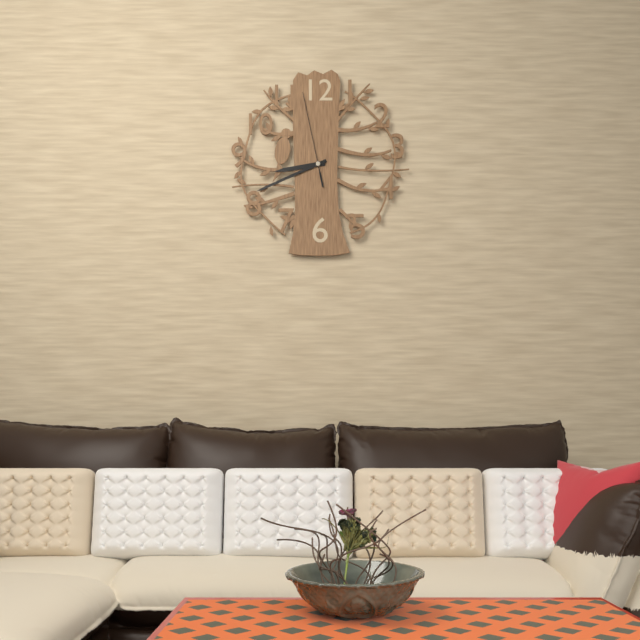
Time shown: **8:41:58**
